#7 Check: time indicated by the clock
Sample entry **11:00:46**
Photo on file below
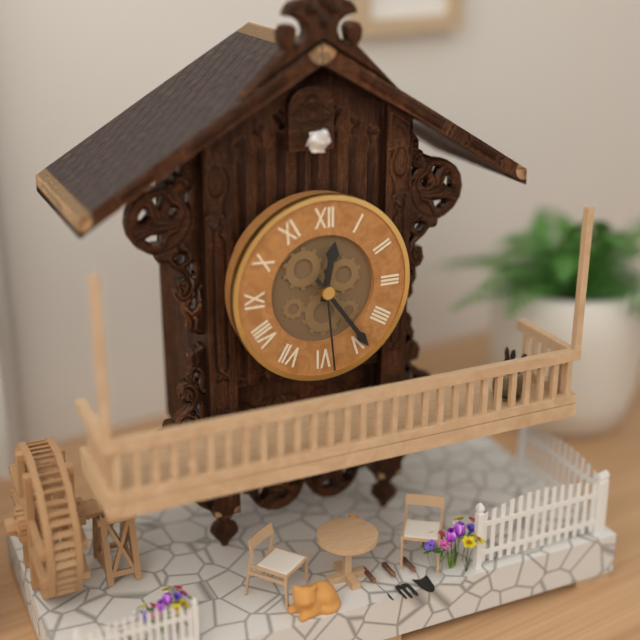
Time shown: **12:24:29**
